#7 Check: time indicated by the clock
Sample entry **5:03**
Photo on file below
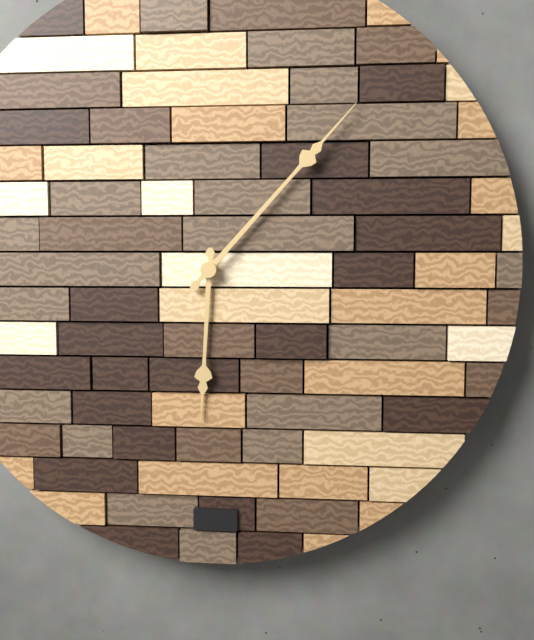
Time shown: **6:07**
